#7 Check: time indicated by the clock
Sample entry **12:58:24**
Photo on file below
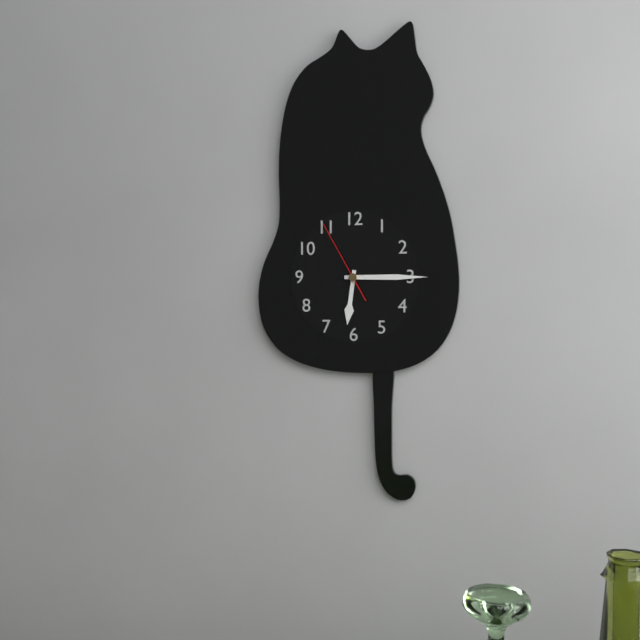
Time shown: **6:15:55**
